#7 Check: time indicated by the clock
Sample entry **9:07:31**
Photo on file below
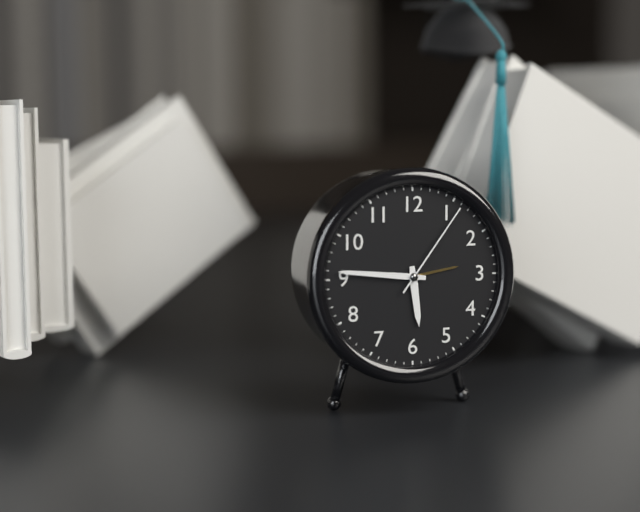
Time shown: **5:46:06**
